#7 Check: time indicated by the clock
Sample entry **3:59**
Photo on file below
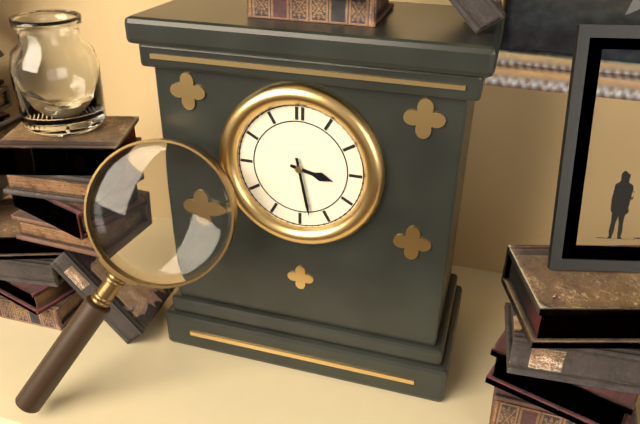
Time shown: **3:28**
